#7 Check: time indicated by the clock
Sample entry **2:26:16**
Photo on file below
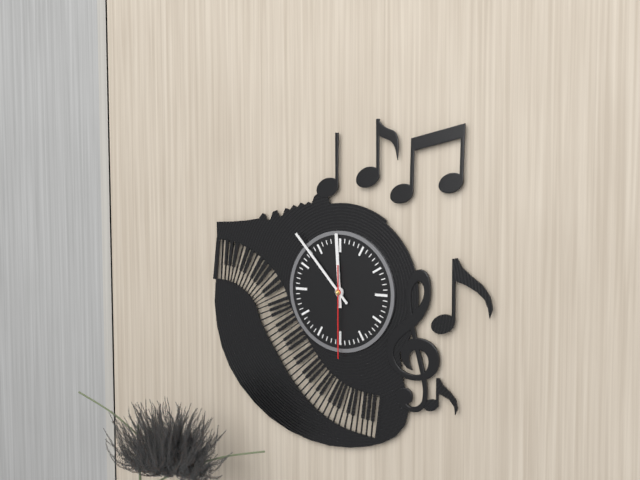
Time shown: **11:53:30**
